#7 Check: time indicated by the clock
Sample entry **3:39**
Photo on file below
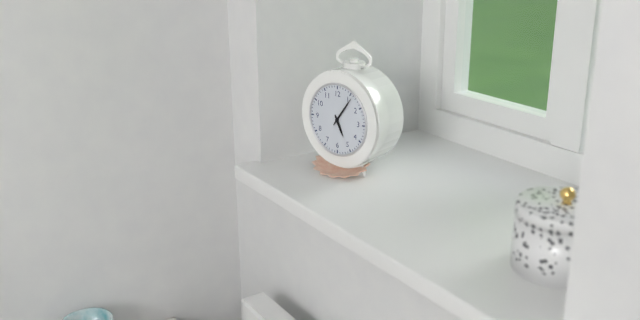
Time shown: **5:06**
